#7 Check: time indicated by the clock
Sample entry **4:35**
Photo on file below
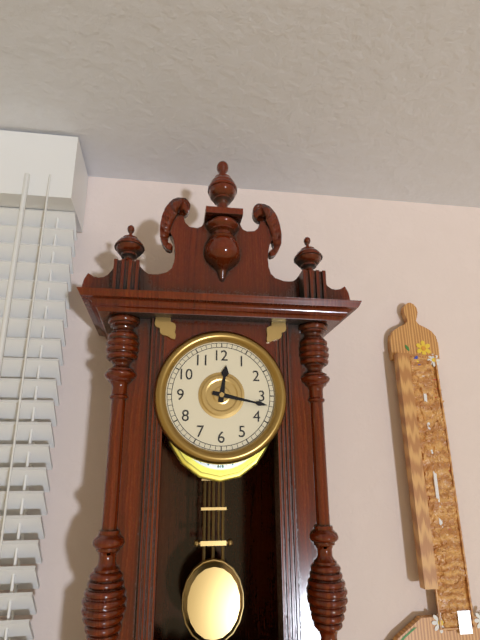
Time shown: **12:17**
